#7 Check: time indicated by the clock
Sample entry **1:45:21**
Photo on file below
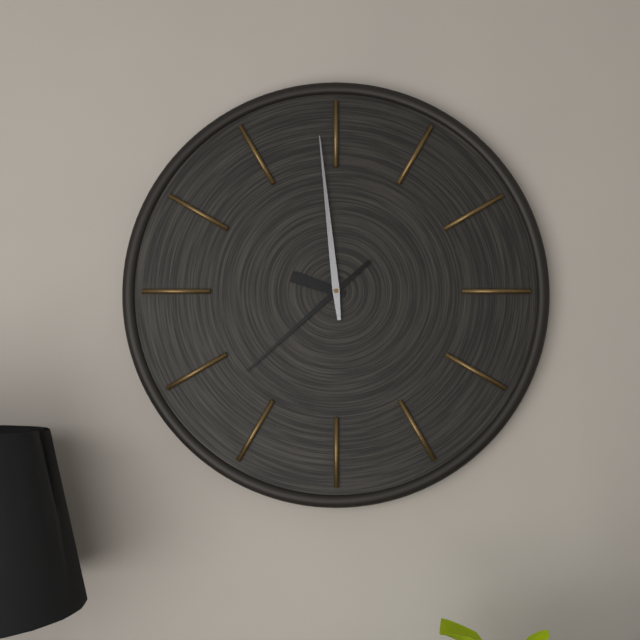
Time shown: **9:38:59**
